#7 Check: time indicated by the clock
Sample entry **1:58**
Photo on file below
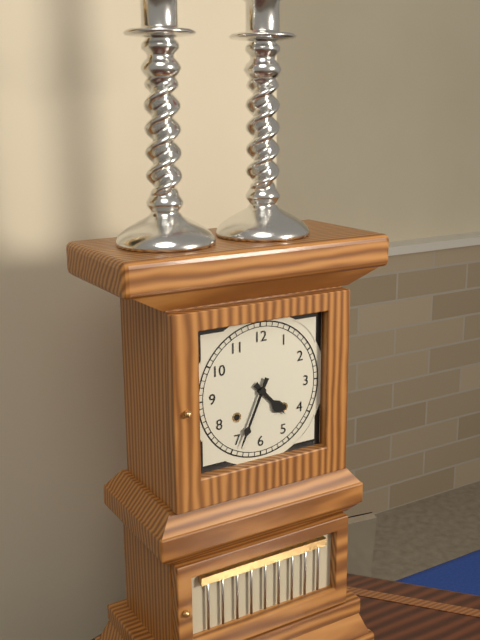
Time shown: **4:34**
